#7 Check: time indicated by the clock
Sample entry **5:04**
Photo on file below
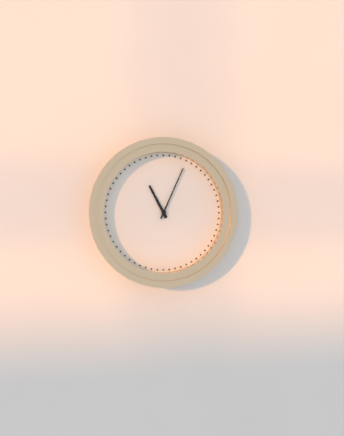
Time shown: **11:04**
